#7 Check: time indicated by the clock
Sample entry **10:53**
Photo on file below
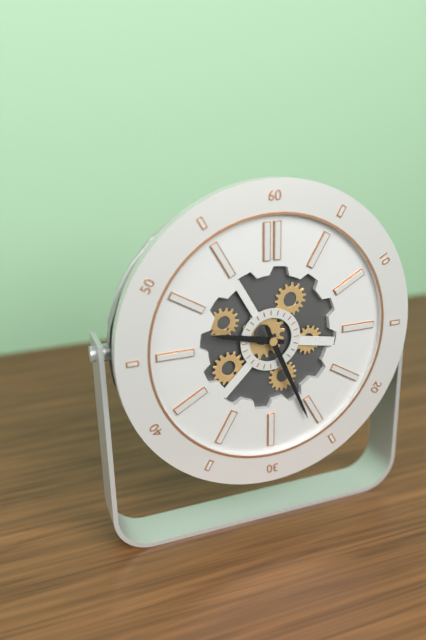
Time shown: **9:26**
